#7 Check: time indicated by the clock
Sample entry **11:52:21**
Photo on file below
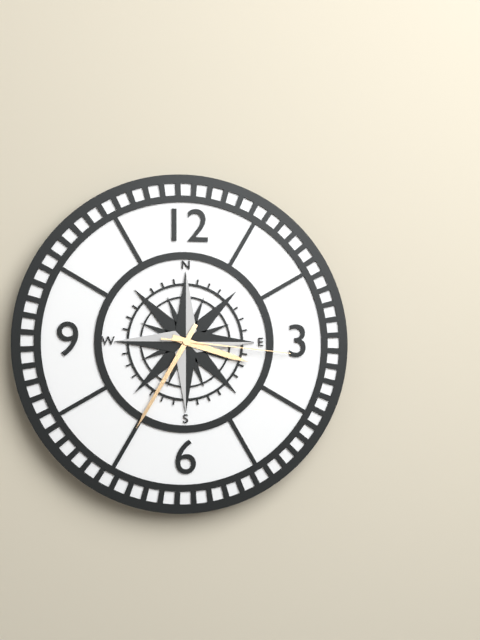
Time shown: **3:35:16**
